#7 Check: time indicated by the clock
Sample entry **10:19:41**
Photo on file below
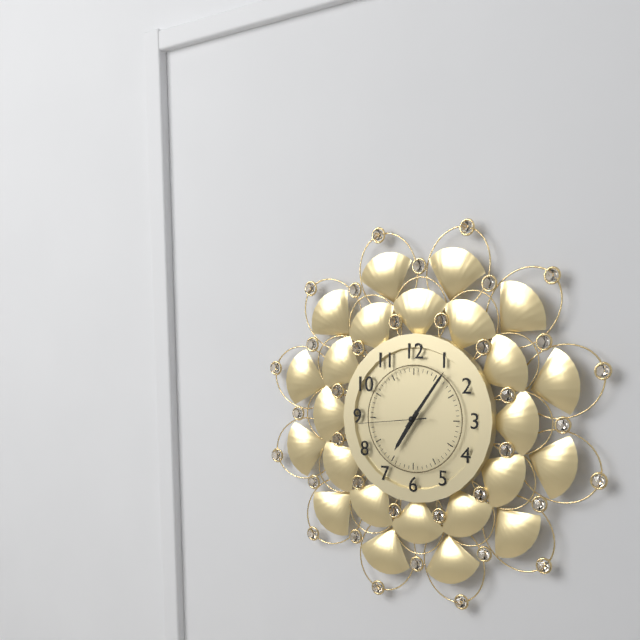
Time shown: **7:06:44**
